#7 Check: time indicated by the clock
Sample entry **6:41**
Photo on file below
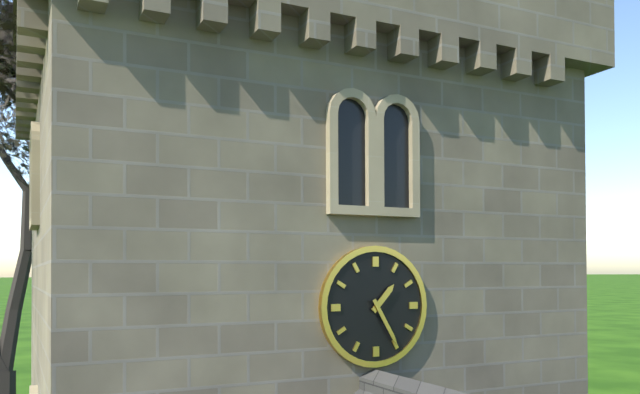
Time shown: **1:25**
